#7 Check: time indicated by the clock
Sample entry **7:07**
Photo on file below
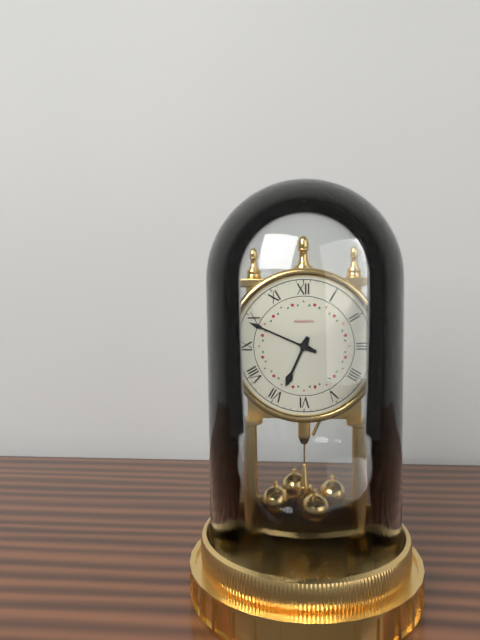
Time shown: **6:49**
